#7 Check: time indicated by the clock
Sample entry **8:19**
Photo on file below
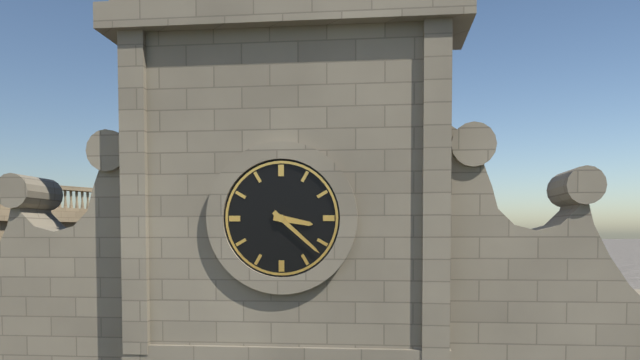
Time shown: **3:22**
